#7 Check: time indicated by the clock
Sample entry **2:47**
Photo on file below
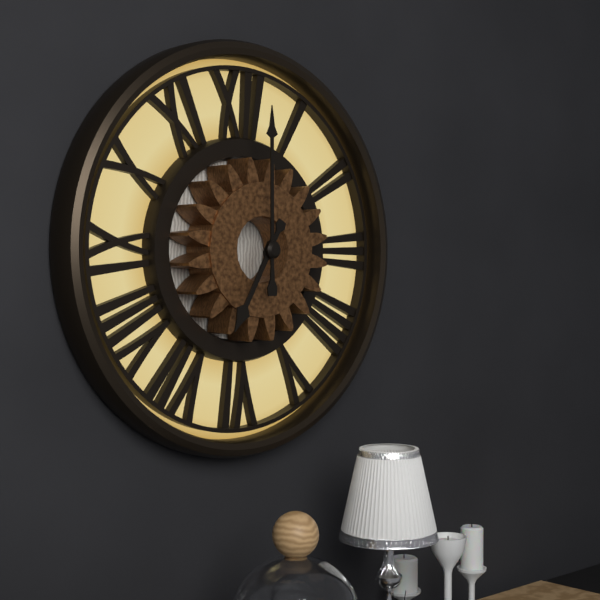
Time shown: **7:00**
